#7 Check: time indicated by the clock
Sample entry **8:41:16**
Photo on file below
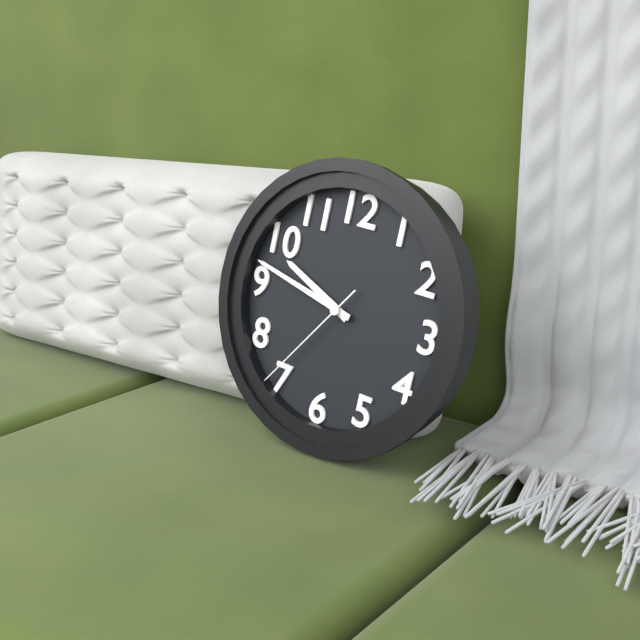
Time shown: **9:47:36**
